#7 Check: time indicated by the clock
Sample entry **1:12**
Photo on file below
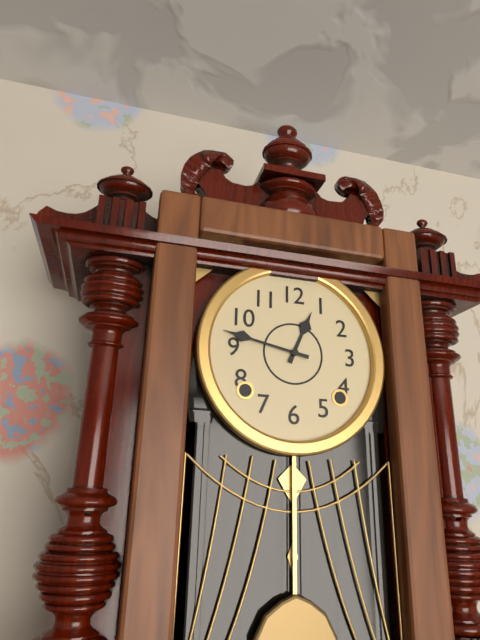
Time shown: **12:47**
